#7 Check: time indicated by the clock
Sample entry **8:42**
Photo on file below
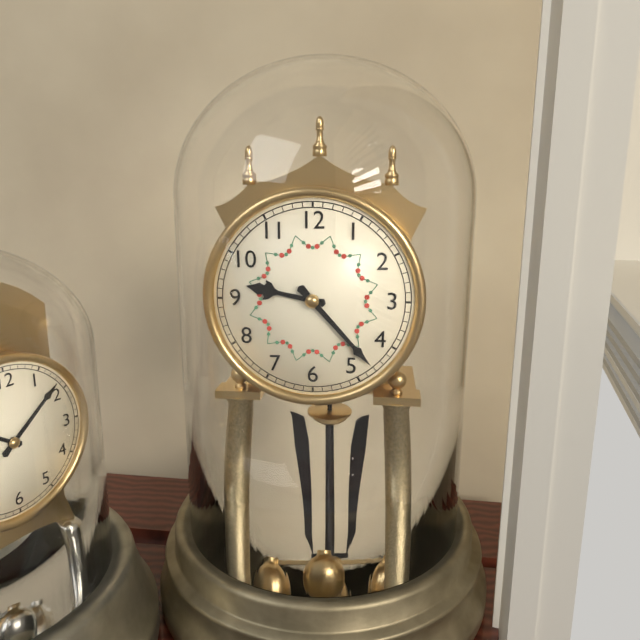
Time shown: **9:23**
